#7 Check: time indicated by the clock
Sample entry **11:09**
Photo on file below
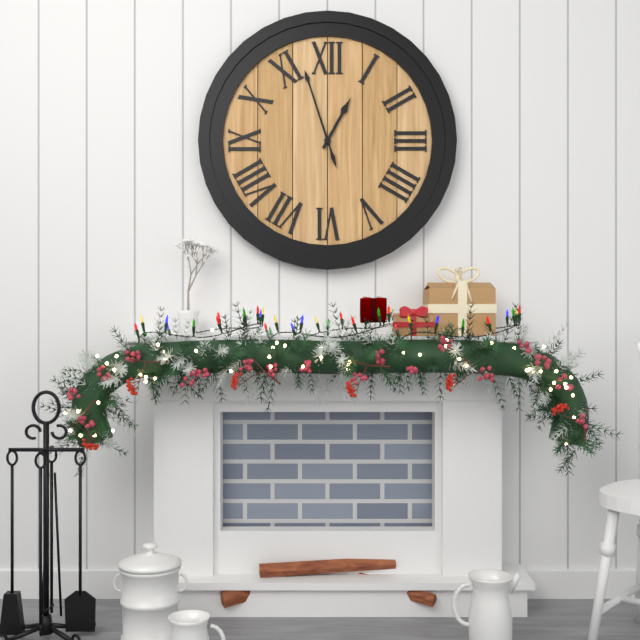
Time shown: **12:57**
